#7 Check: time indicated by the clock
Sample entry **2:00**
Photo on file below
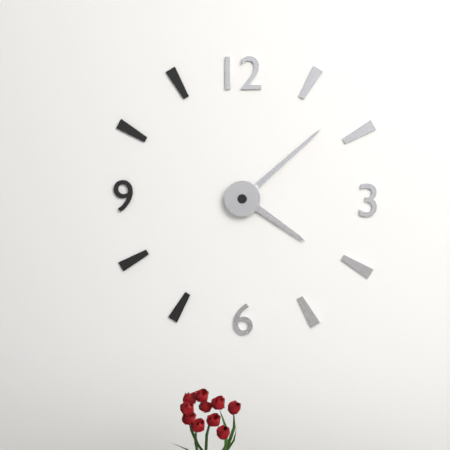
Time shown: **4:08**
